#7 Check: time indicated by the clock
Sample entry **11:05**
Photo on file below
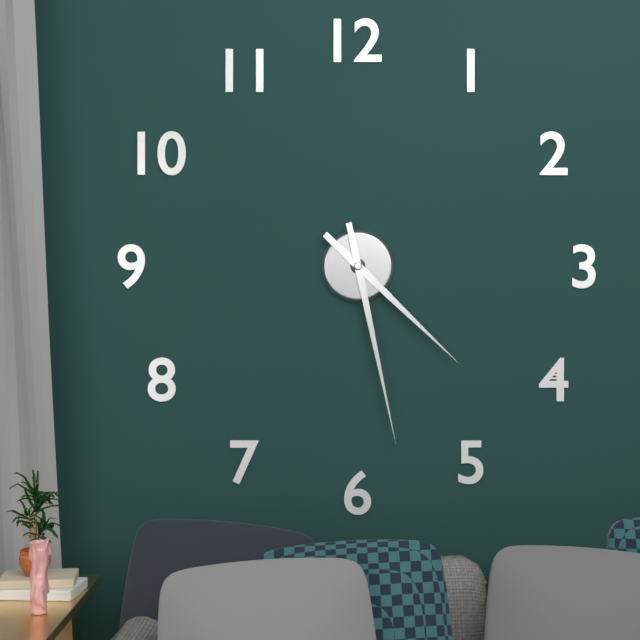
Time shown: **4:28**
